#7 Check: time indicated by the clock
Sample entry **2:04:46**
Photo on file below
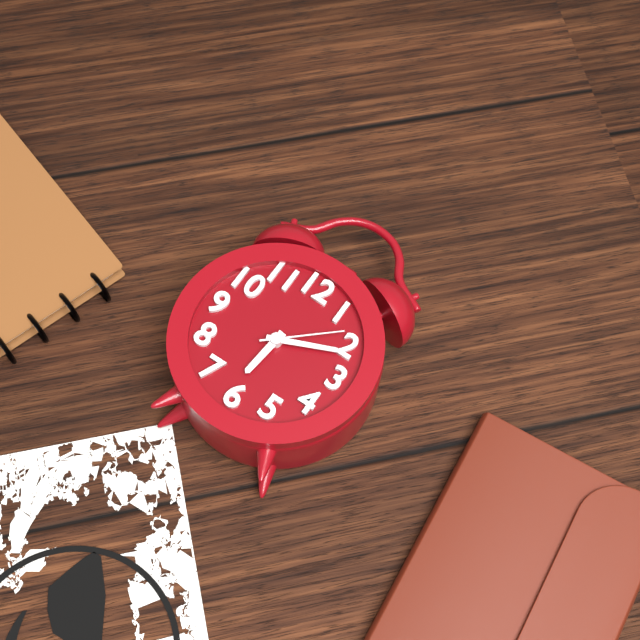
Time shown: **6:11:08**
